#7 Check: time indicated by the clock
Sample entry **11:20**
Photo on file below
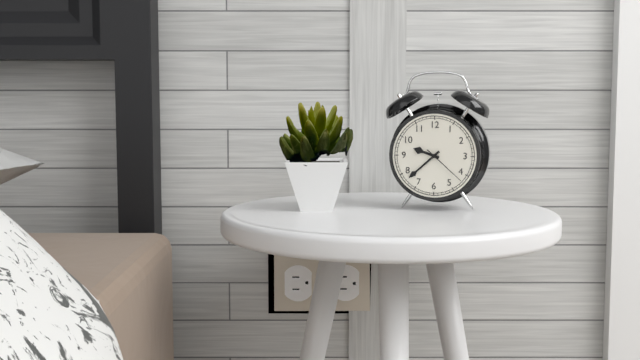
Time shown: **9:38**
